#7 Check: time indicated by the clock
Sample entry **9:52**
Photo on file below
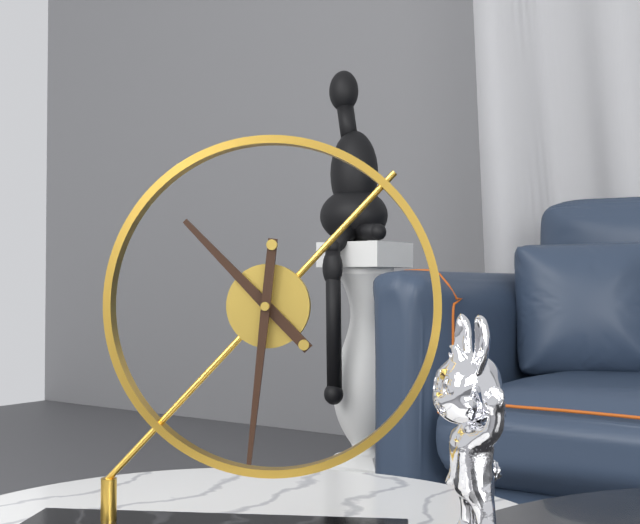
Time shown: **10:31**
